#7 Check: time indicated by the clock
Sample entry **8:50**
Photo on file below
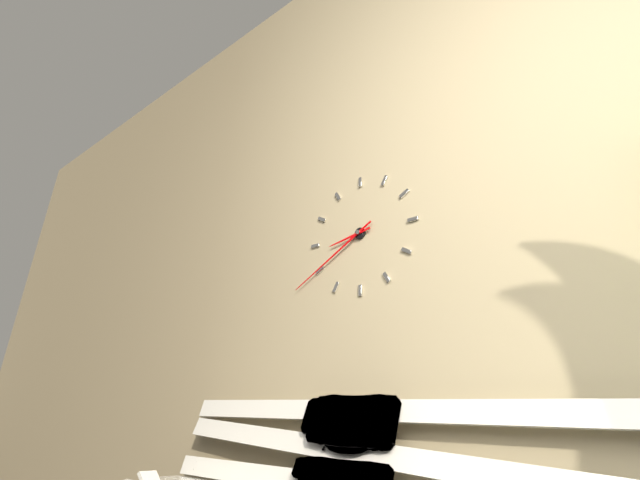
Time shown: **8:40**
